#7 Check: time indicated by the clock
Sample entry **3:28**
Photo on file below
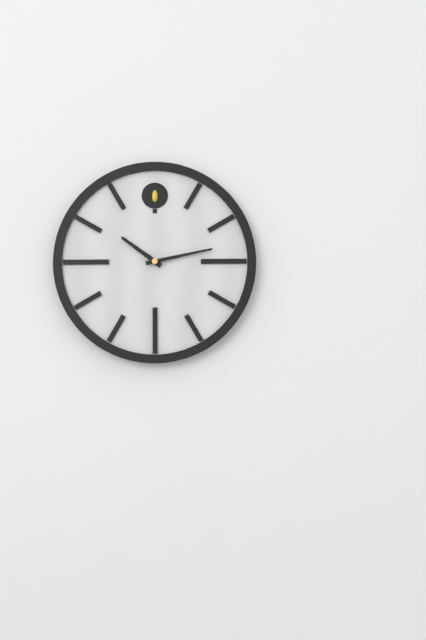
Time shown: **10:13**
